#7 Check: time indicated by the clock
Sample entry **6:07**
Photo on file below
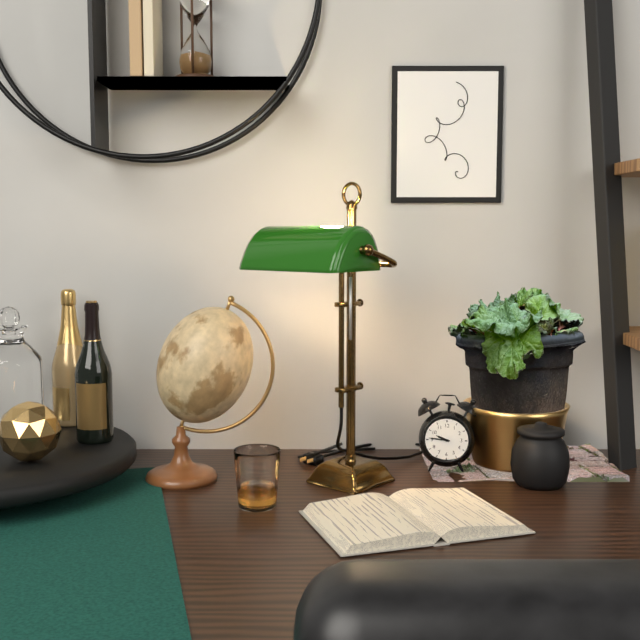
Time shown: **9:46**
